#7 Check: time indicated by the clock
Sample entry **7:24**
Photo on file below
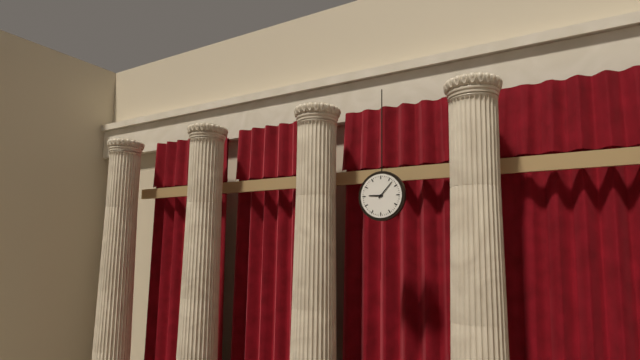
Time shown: **9:07**
